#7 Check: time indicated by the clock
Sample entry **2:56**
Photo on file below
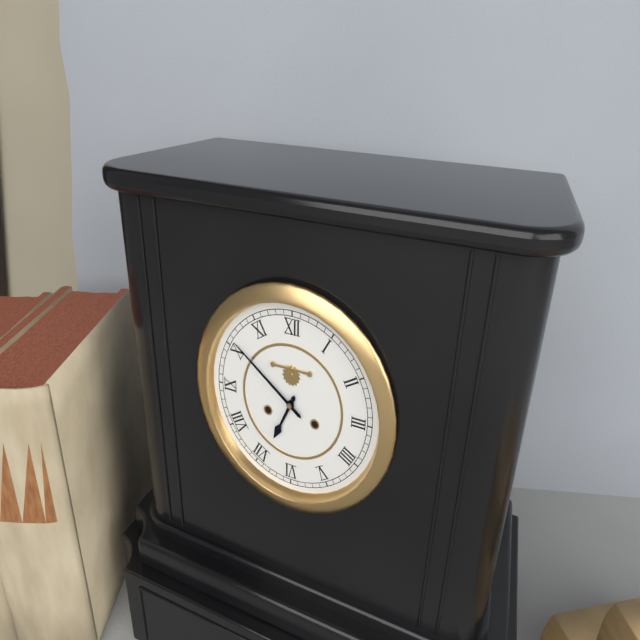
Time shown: **6:51**
